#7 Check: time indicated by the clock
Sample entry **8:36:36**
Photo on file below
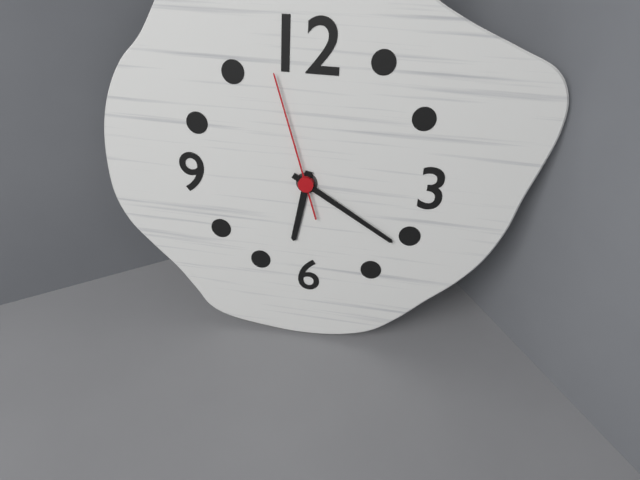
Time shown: **6:20:57**
